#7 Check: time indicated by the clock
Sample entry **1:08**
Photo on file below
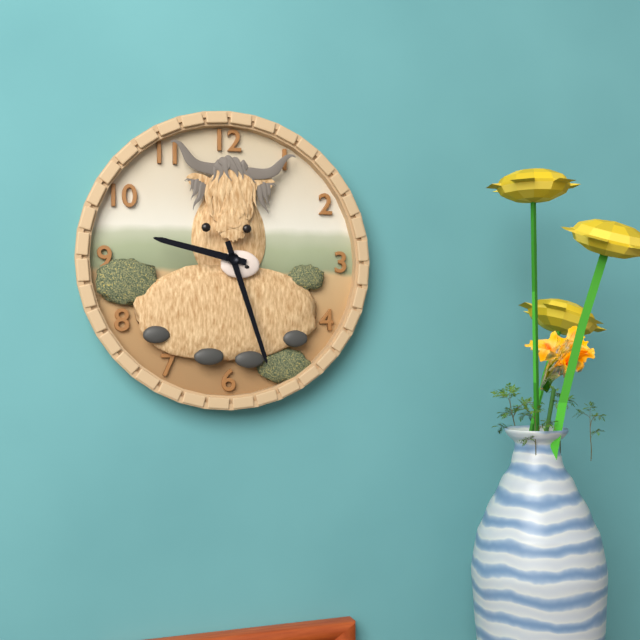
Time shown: **9:27**
